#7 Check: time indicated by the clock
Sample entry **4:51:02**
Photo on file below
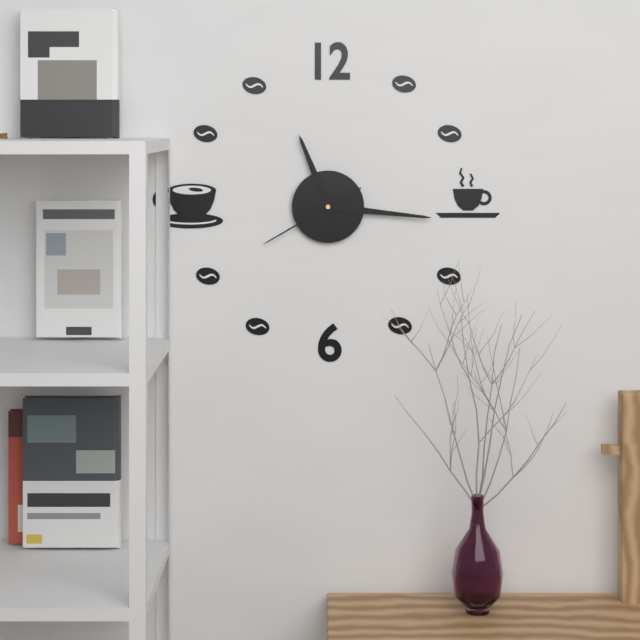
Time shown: **11:16:40**
